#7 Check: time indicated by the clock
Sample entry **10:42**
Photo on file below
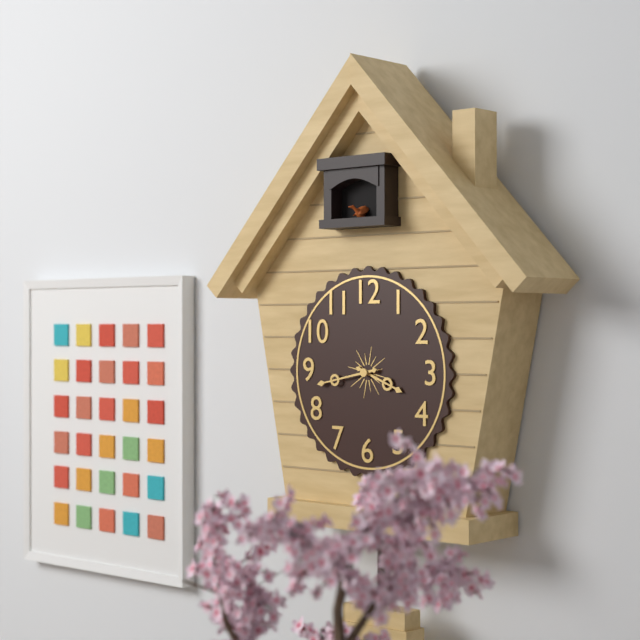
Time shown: **3:43**
